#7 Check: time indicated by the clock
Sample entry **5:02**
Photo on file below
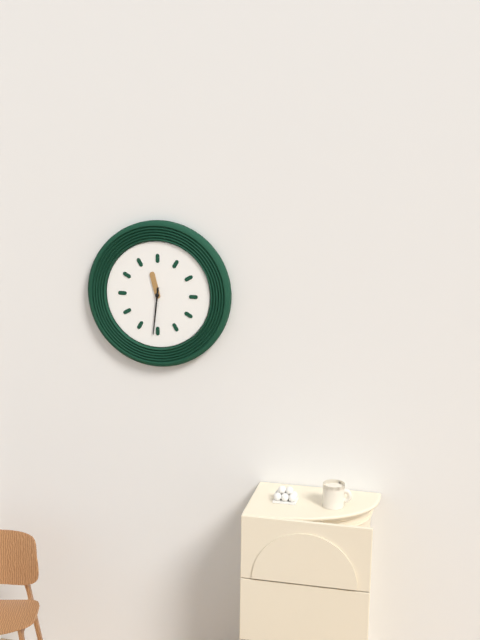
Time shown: **11:31**
